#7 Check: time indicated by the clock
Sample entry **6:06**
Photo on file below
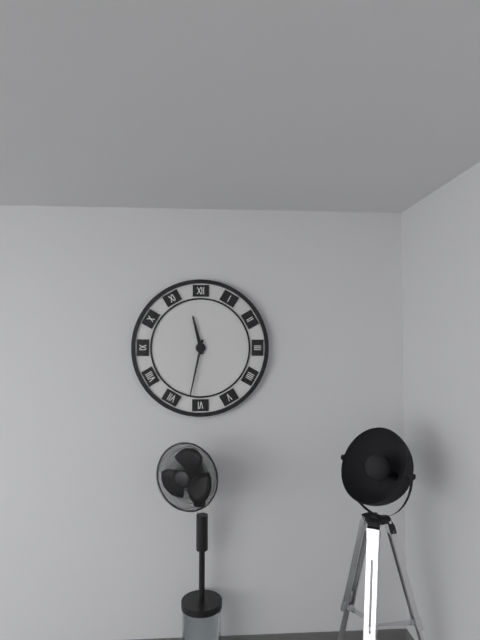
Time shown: **11:32**
